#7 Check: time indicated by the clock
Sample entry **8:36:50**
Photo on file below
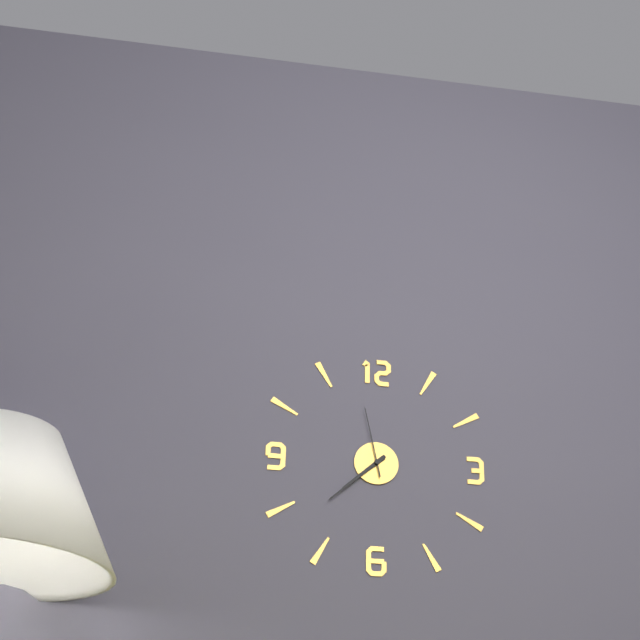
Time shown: **7:38:58**
